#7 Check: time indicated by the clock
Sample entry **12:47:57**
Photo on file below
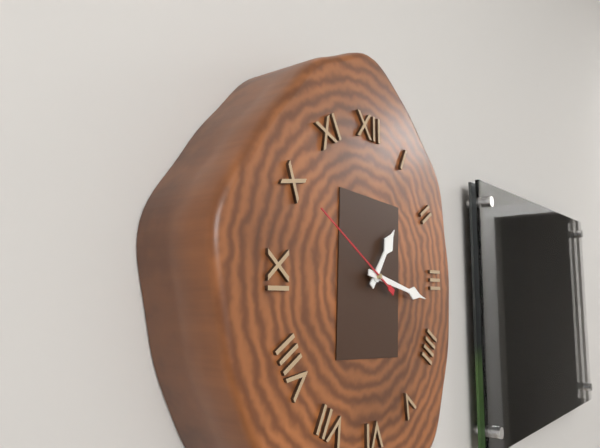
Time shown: **1:17:50**
